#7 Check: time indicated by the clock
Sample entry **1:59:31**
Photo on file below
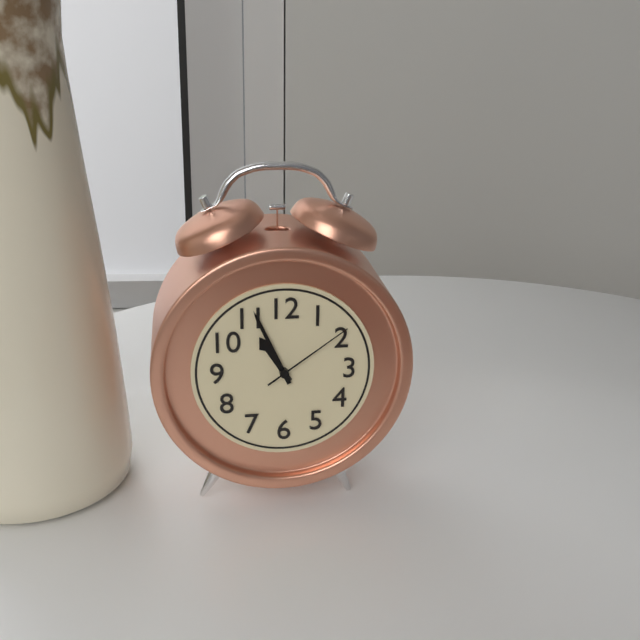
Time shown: **10:56:09**
